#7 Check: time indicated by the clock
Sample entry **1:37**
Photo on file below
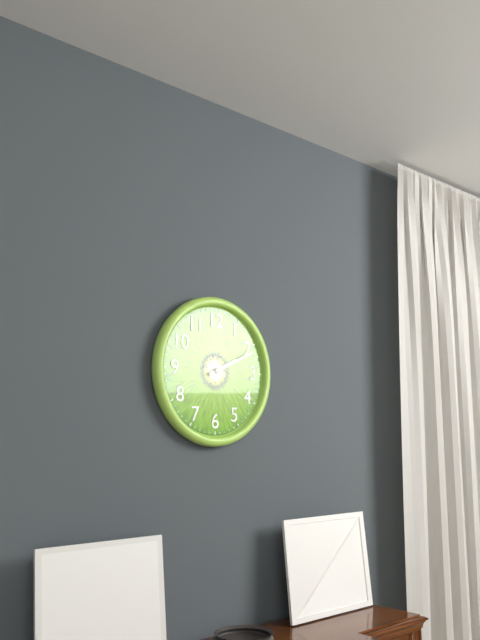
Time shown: **2:11**
